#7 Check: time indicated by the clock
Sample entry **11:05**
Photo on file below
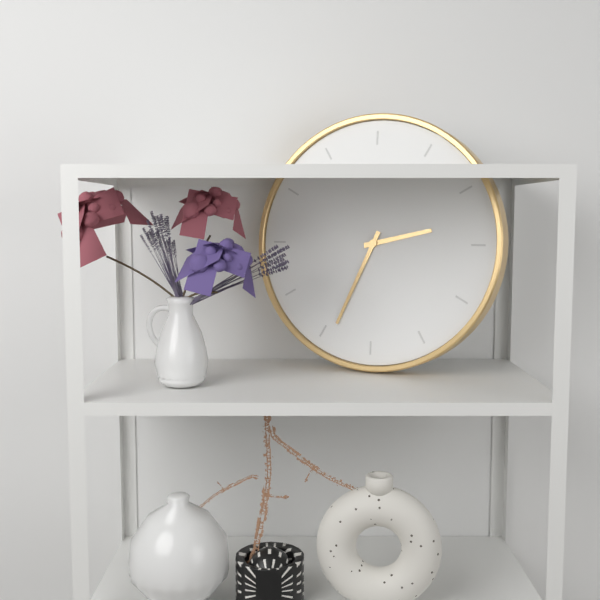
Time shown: **2:34**
